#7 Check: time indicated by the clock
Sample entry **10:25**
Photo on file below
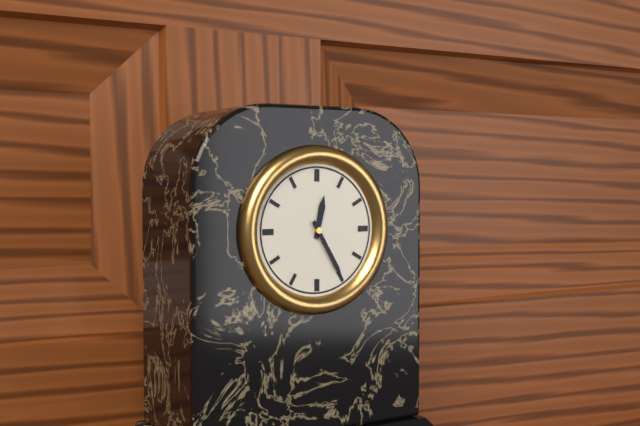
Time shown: **12:25**
